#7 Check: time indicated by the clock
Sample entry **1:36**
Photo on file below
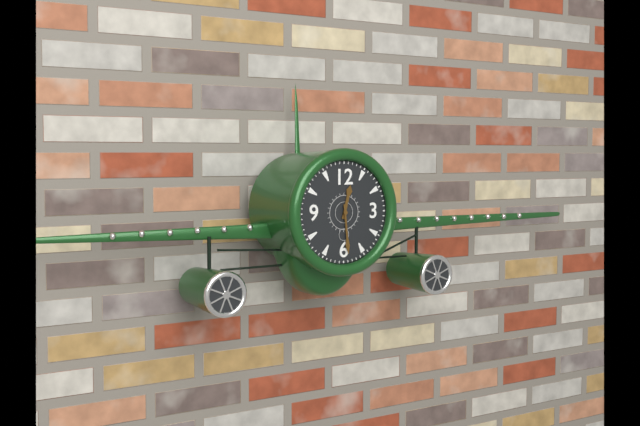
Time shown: **12:29**
